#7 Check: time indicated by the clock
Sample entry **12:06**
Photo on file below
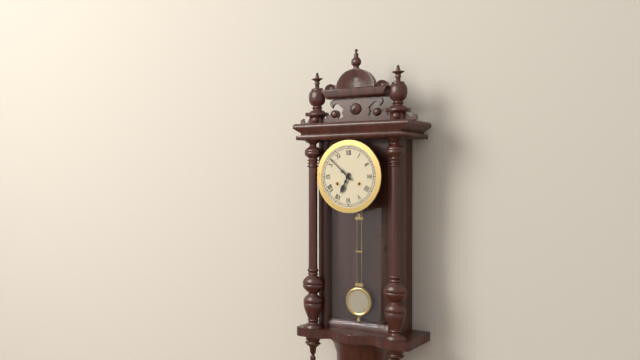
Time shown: **6:52**
